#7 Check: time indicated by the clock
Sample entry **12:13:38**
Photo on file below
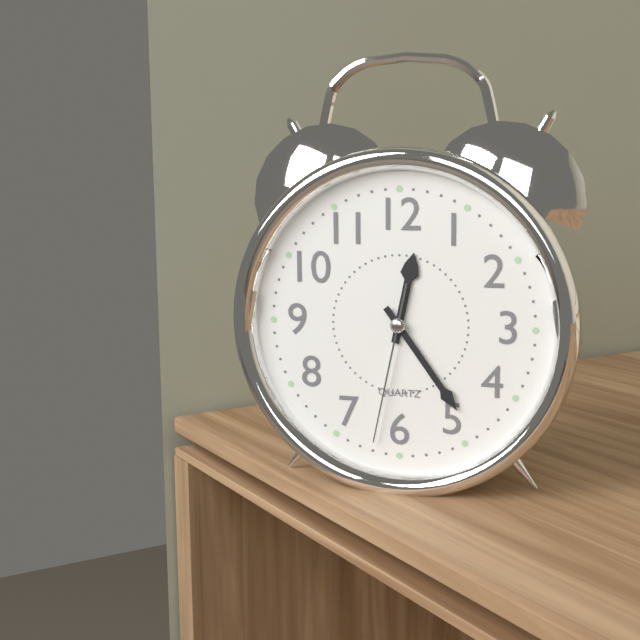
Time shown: **12:24:32**
